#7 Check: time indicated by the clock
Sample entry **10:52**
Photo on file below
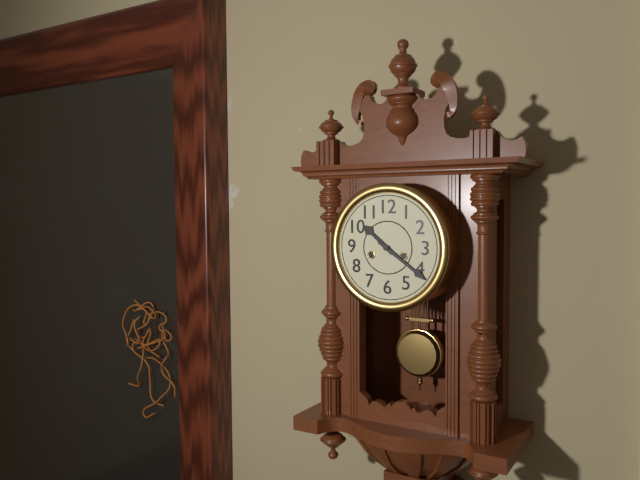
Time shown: **10:21**
